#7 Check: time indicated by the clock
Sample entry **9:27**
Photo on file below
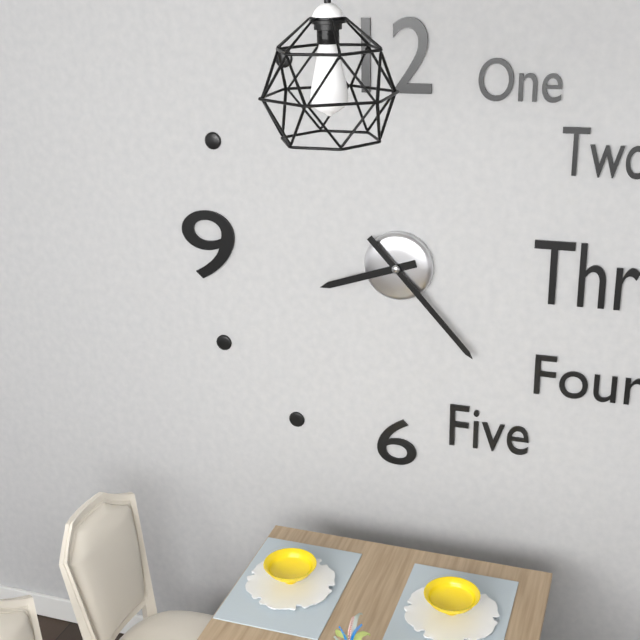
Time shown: **8:23**
